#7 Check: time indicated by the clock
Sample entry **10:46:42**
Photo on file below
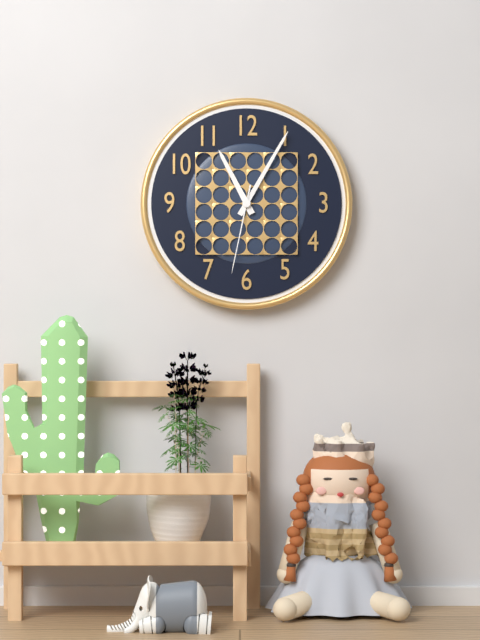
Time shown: **11:05:32**
